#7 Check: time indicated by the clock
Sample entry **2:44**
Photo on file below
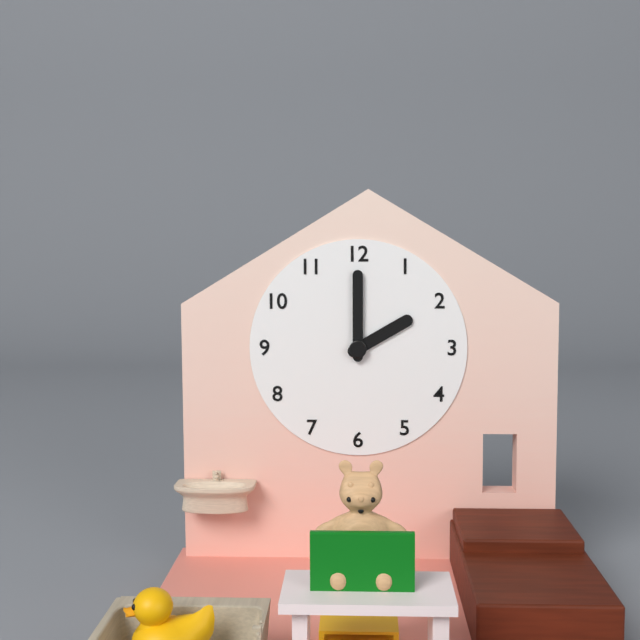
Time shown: **2:00**
